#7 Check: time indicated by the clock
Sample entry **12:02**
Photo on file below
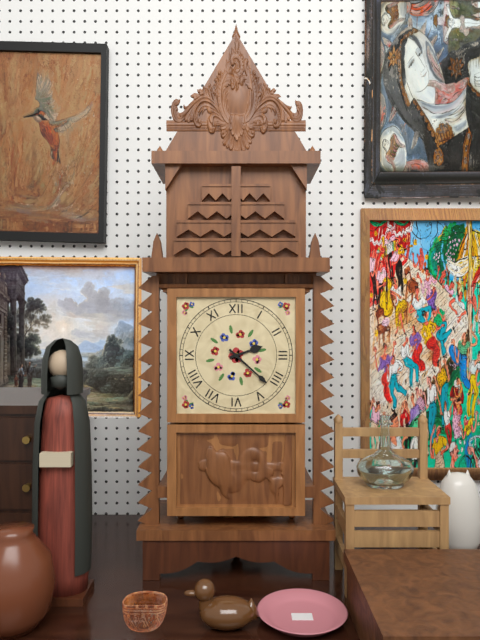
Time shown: **2:22**
